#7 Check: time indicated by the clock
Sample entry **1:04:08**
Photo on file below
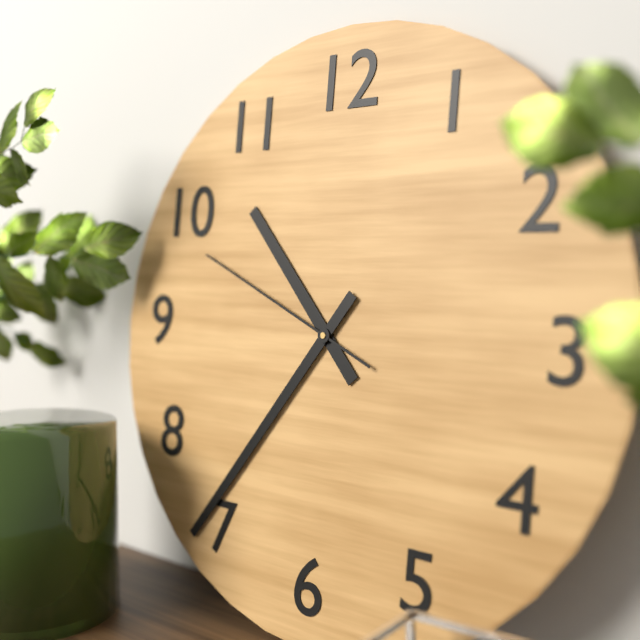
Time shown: **10:36:49**
